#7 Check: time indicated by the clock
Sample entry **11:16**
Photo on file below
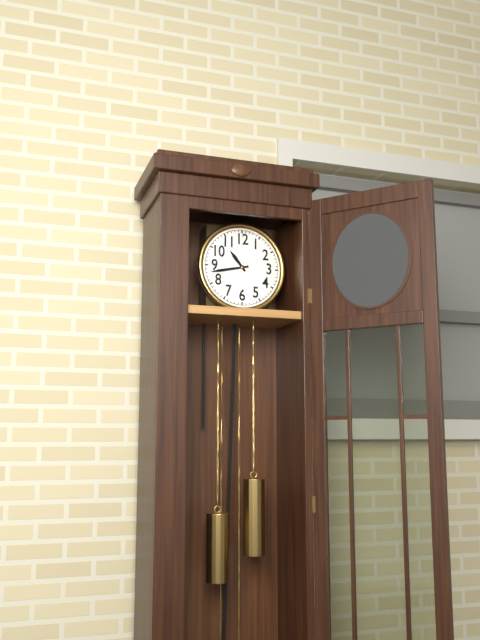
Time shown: **10:43**
